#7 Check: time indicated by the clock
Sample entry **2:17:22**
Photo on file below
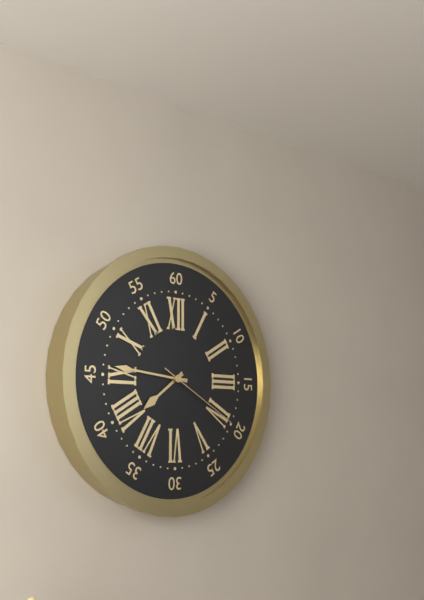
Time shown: **7:46:20**
